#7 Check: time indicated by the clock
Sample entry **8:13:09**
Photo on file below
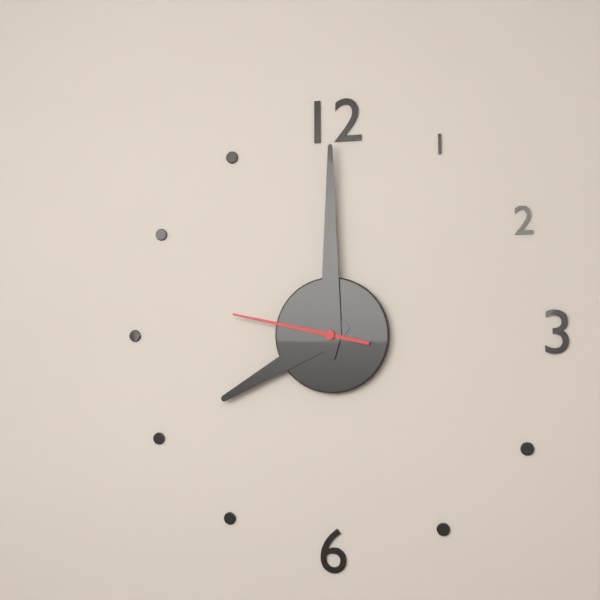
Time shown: **8:00:47**
